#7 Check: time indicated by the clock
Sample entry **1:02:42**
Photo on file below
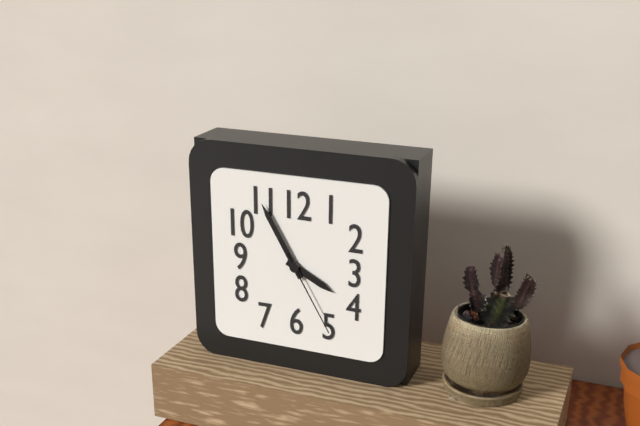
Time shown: **3:55:25**
